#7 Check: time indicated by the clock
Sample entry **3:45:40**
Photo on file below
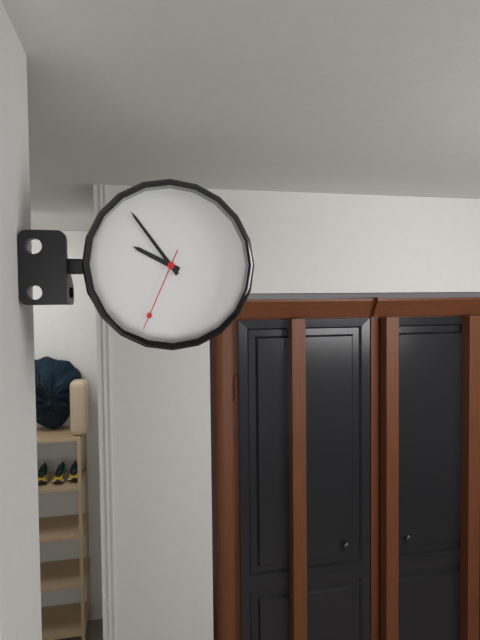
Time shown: **9:54:34**
